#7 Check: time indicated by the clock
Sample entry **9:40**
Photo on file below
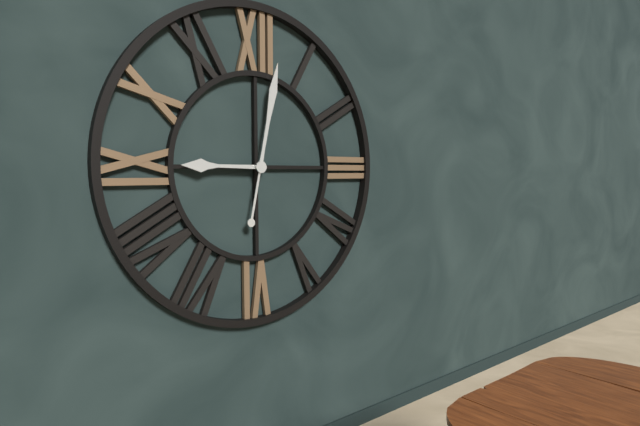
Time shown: **9:02**
